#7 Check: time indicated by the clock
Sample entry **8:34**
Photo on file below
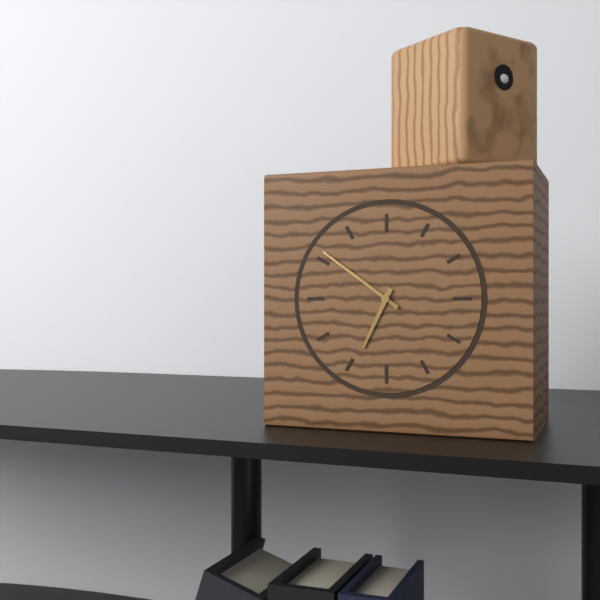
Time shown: **6:51**
